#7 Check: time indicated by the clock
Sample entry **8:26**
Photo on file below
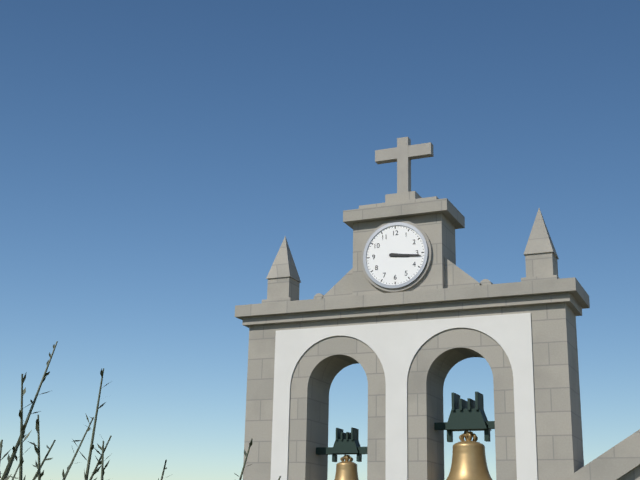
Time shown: **3:16**
